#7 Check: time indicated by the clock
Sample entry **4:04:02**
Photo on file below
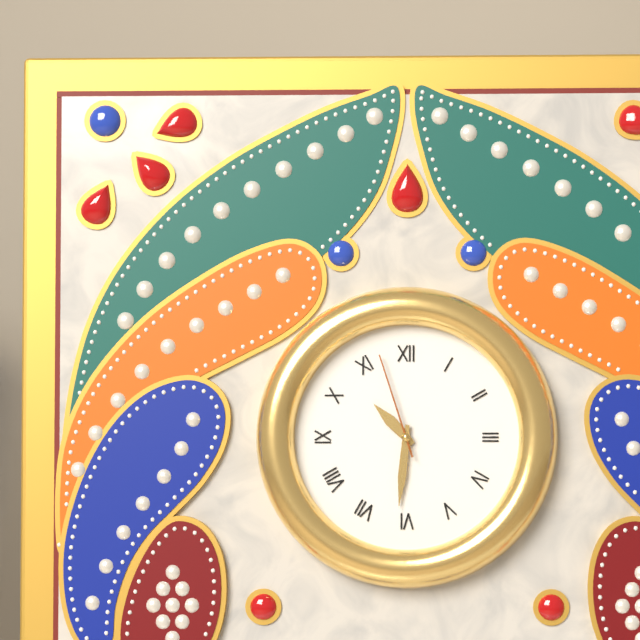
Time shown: **10:31:57**
